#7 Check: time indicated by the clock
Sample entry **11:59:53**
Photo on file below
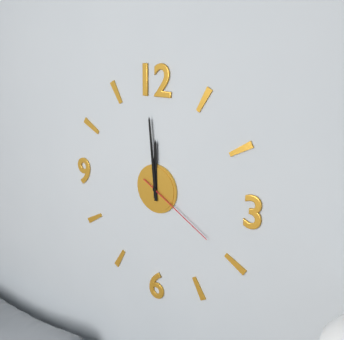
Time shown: **11:59:20**
